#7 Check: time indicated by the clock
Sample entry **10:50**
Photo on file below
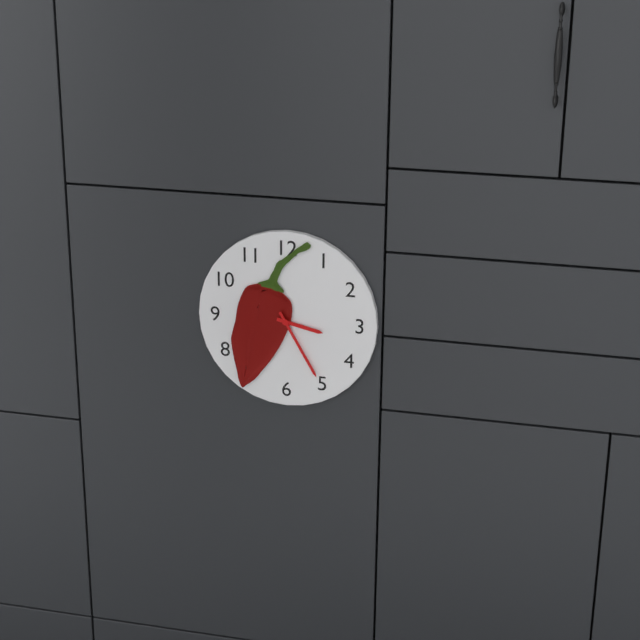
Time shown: **3:25**
